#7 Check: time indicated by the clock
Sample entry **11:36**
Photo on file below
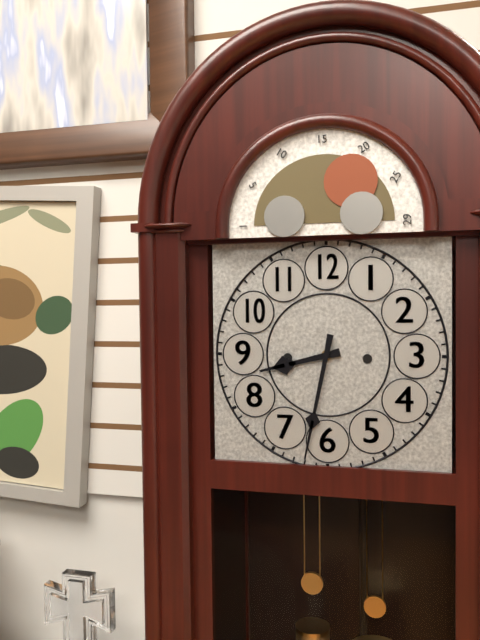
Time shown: **8:32**
